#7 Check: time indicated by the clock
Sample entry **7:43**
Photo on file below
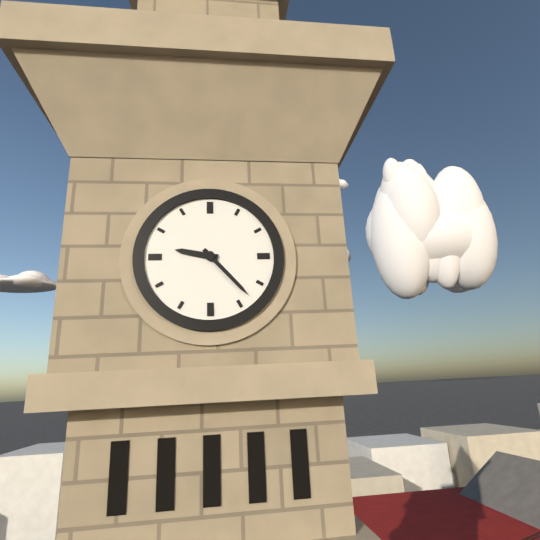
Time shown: **9:23**
